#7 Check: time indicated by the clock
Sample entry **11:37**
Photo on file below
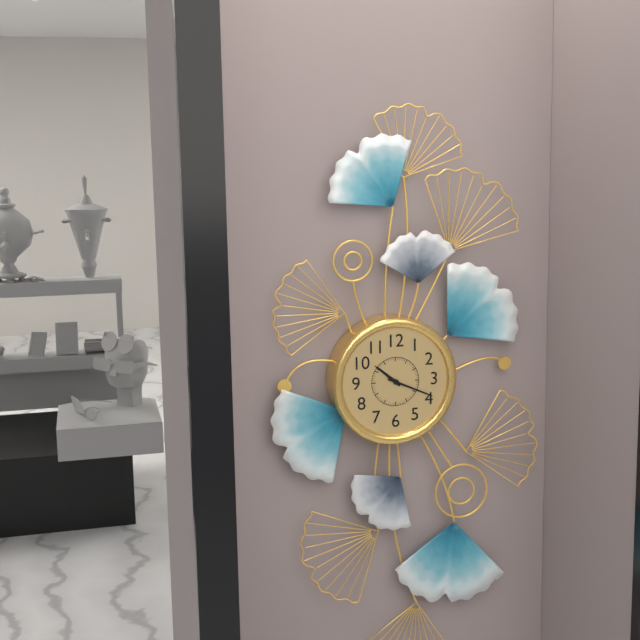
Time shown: **10:19**
